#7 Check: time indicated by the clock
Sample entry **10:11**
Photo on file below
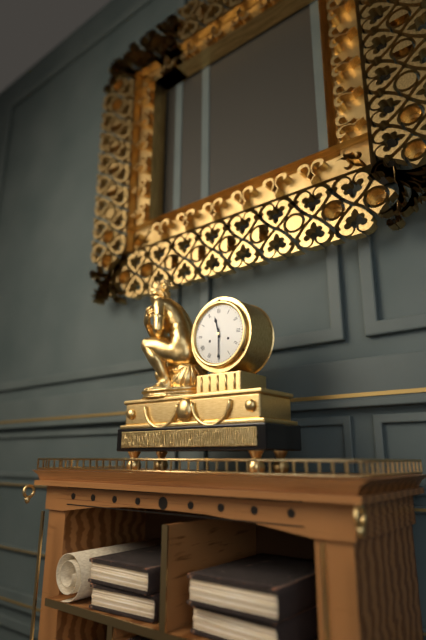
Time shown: **11:30**
